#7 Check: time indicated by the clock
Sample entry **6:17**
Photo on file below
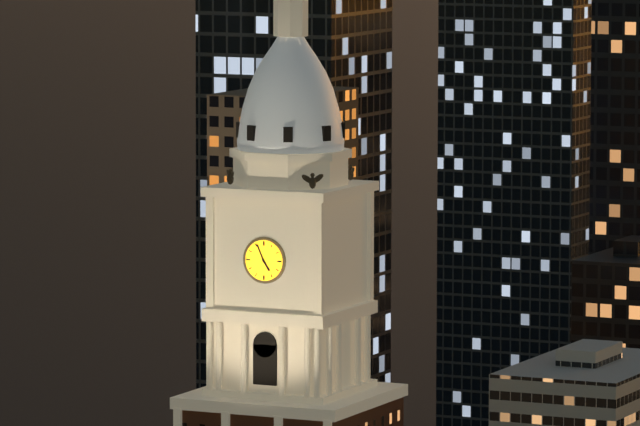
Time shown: **4:56**
